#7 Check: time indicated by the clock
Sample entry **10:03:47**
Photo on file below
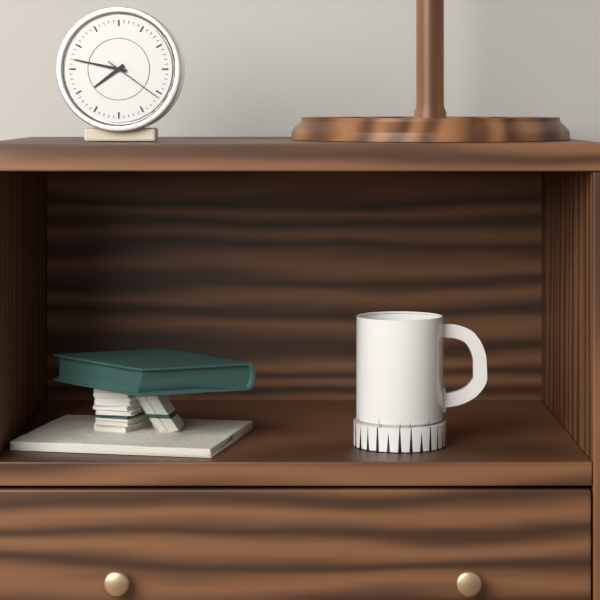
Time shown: **7:47:21**
